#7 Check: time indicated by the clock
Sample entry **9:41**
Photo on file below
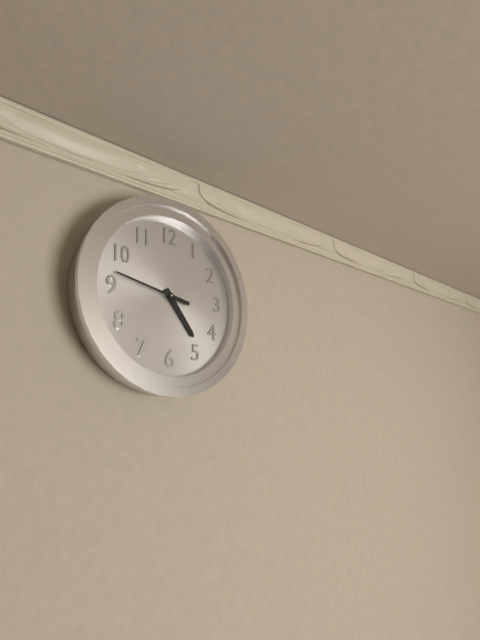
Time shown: **4:47**
